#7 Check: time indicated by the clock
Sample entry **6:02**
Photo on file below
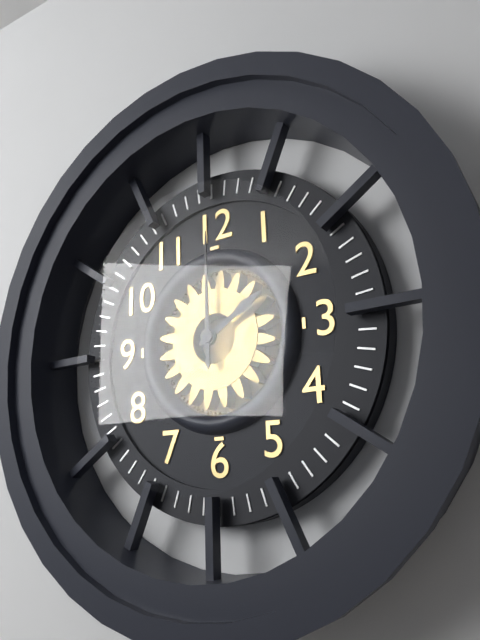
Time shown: **2:00**
